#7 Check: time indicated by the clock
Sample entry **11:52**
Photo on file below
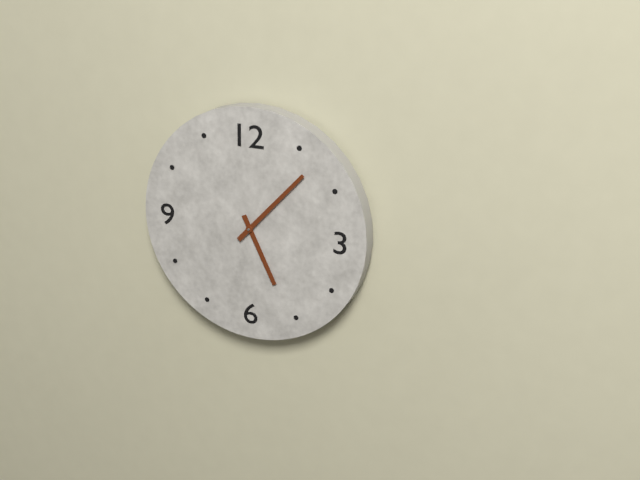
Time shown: **5:07**
